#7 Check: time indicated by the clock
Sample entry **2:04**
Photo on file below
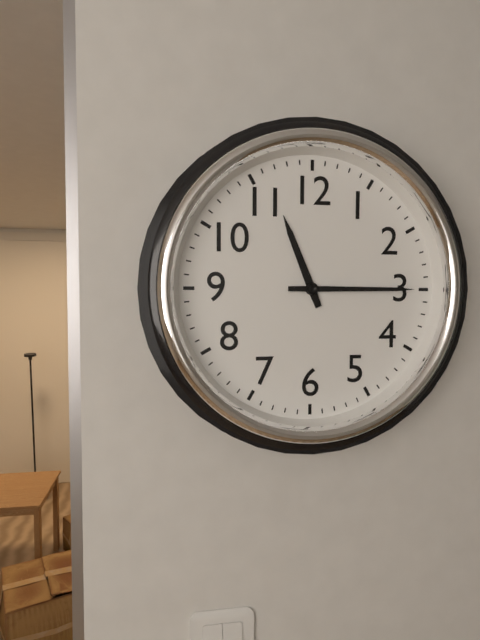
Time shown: **11:15**
